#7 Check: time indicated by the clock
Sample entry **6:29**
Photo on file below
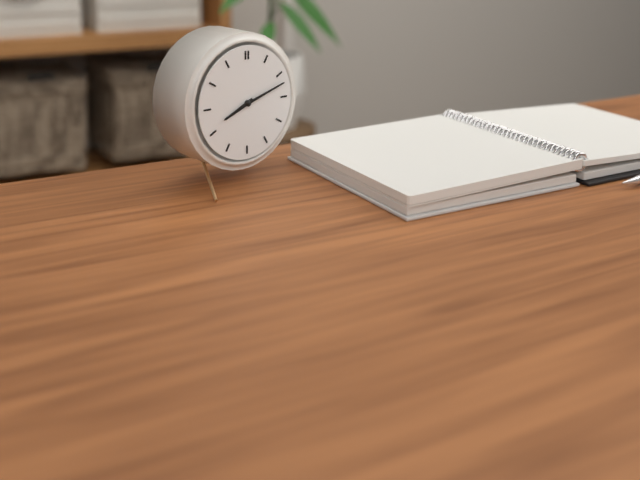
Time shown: **8:12**
